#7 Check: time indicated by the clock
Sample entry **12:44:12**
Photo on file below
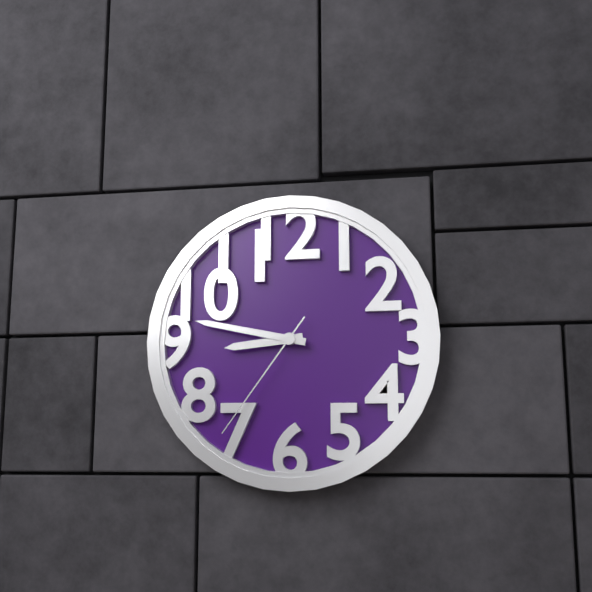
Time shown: **8:47:36**
